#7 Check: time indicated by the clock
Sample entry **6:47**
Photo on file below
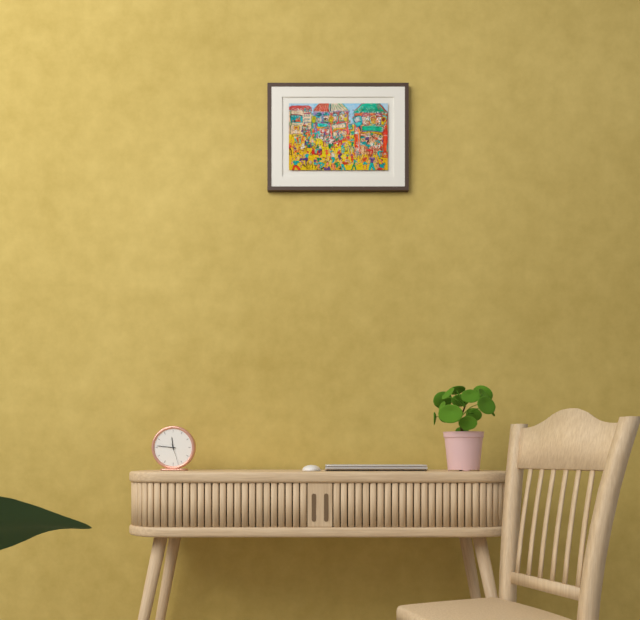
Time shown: **11:46**
